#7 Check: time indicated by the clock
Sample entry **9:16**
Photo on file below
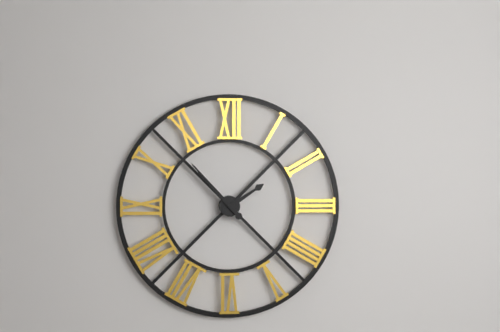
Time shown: **1:53**
